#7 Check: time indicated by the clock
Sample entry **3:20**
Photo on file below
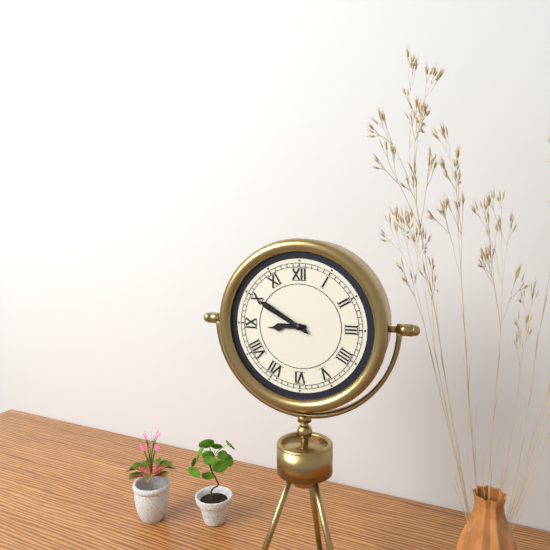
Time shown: **8:50**
